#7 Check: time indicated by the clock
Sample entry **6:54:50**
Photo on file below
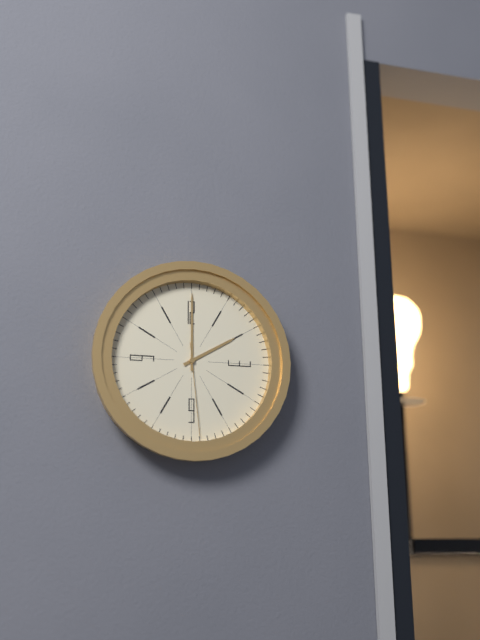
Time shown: **2:00:29**
